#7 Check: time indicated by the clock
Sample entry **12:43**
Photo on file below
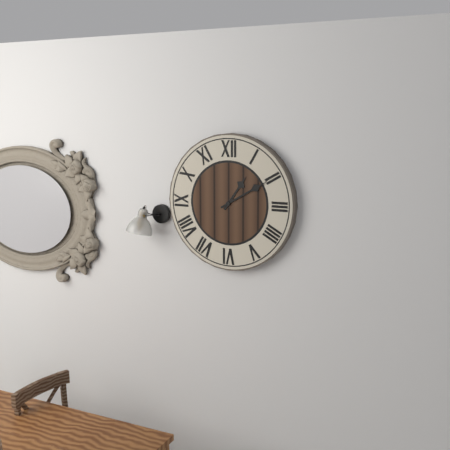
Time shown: **1:10**
